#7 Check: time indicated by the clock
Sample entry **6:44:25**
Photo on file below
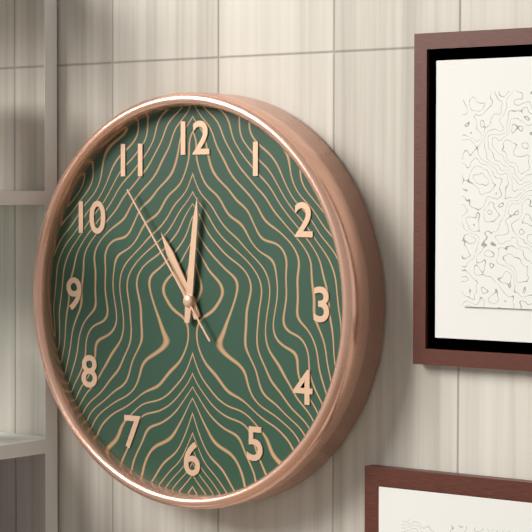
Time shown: **11:01:54**
